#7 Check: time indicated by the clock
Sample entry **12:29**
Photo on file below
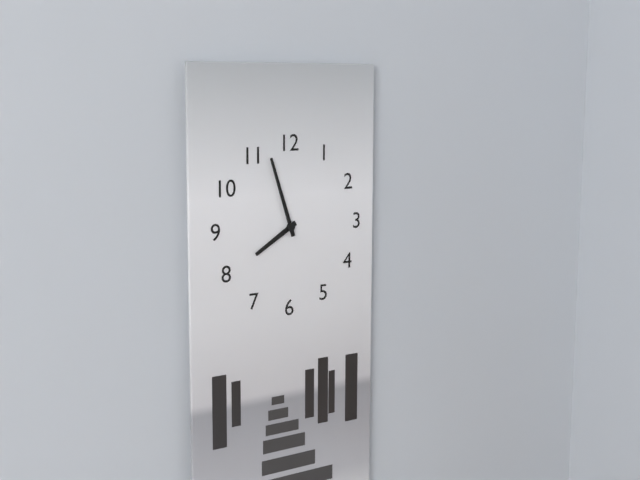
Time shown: **7:57**
